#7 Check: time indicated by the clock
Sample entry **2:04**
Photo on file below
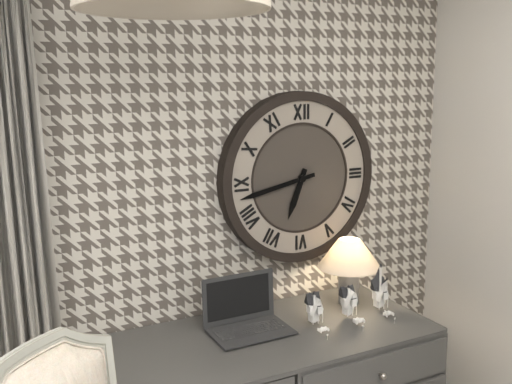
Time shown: **6:43**
